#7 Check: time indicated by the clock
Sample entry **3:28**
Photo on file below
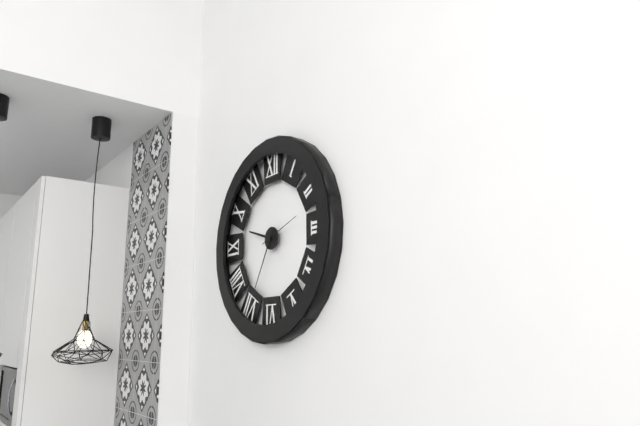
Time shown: **9:35**
